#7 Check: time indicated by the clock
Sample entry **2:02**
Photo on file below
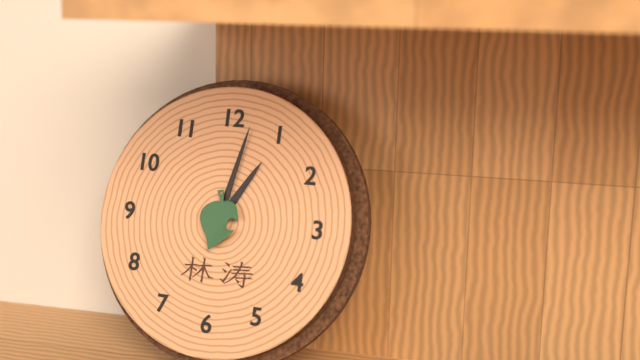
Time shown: **1:02**
